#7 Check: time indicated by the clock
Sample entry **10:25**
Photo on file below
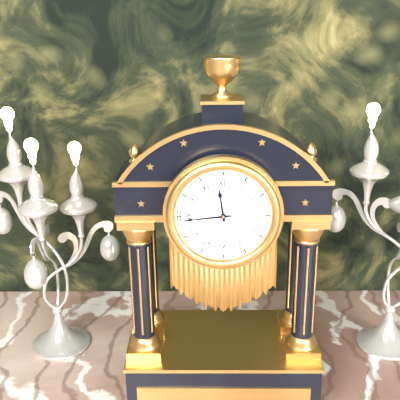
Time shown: **11:44**
